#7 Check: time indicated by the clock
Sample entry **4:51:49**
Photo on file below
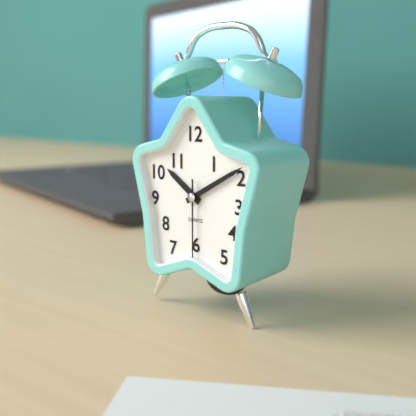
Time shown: **10:10:30**
